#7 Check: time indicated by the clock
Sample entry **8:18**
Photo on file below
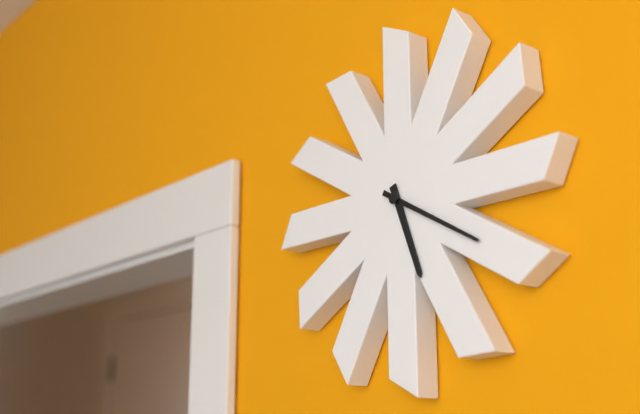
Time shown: **5:20**
